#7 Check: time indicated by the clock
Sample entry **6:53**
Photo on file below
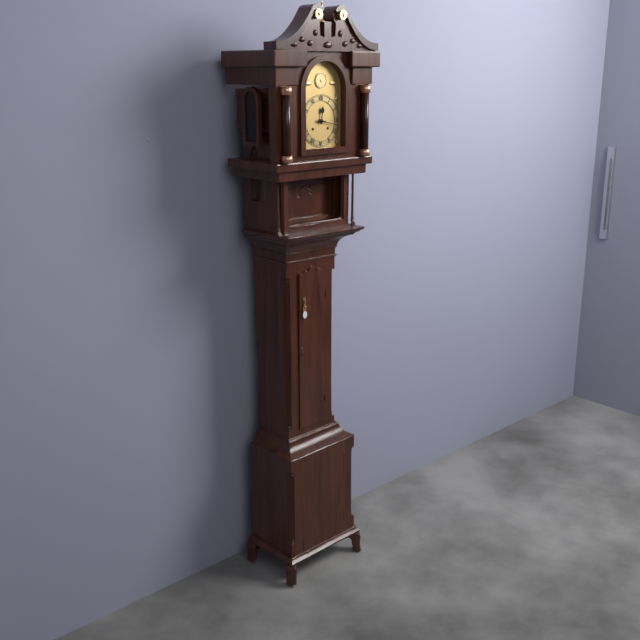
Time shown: **12:17**
